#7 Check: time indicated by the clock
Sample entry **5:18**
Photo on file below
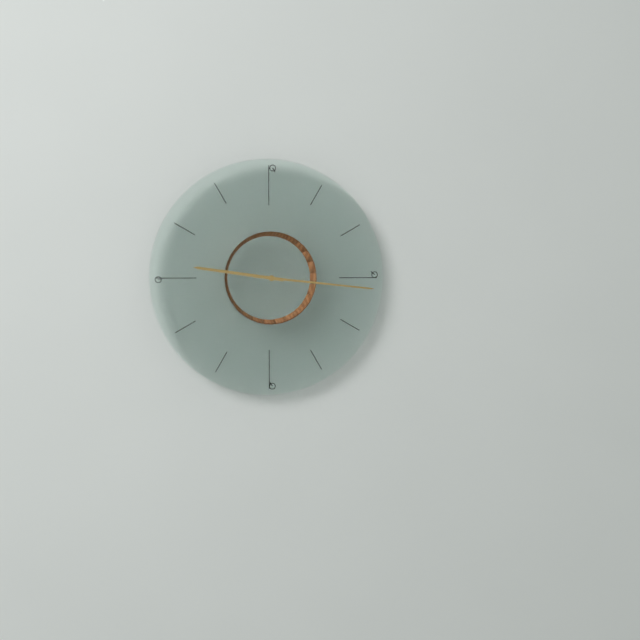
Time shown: **9:16**
